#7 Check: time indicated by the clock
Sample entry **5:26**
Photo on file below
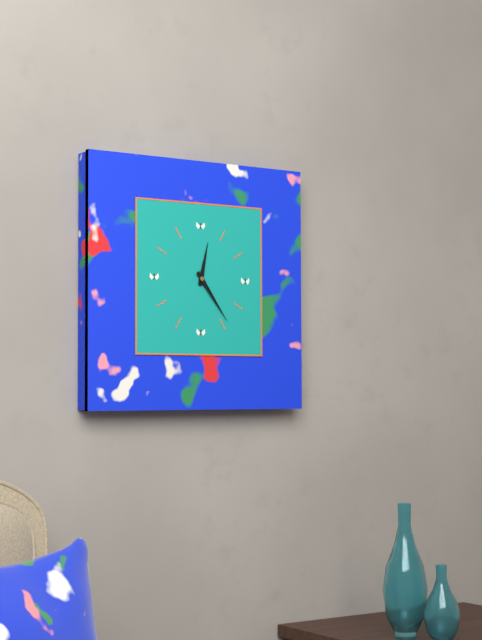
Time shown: **12:24**
